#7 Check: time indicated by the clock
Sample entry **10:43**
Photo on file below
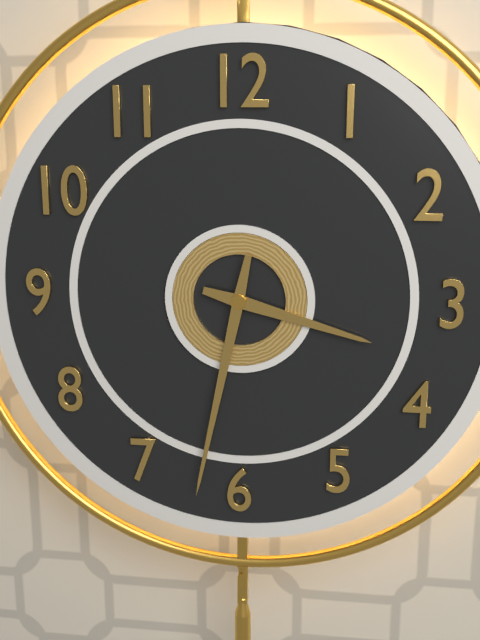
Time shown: **3:32**
